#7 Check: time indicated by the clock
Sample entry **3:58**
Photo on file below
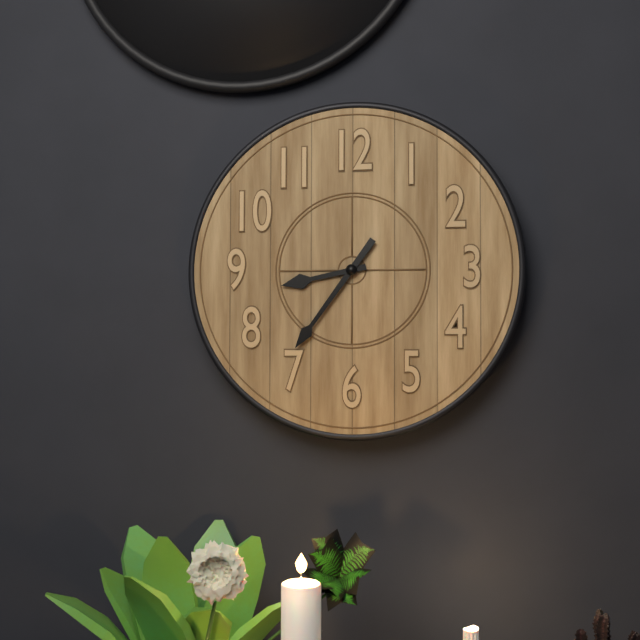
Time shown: **8:36**
